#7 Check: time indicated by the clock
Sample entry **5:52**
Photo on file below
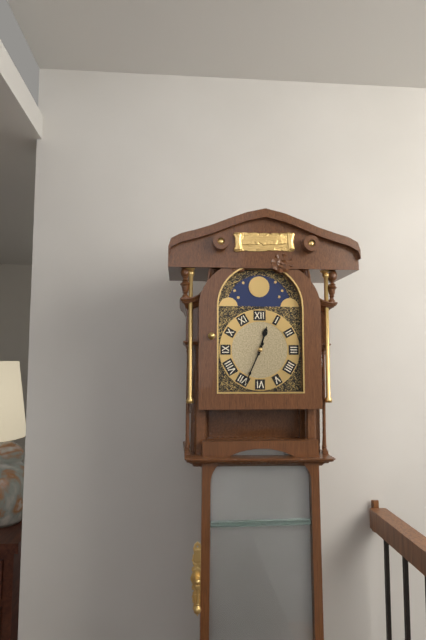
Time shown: **12:34**
